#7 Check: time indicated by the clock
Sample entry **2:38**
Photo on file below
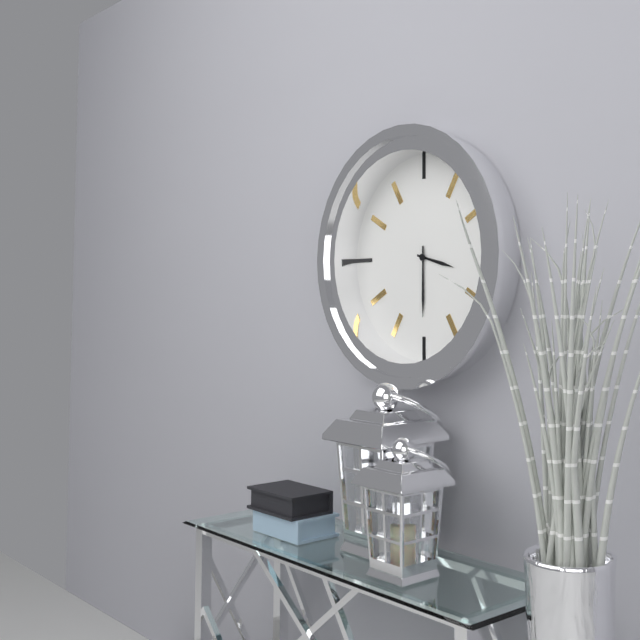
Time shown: **3:30**
